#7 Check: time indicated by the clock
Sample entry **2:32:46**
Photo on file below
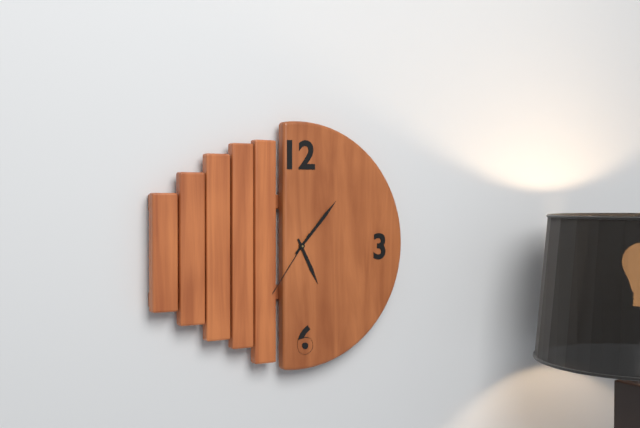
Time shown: **5:07:36**
